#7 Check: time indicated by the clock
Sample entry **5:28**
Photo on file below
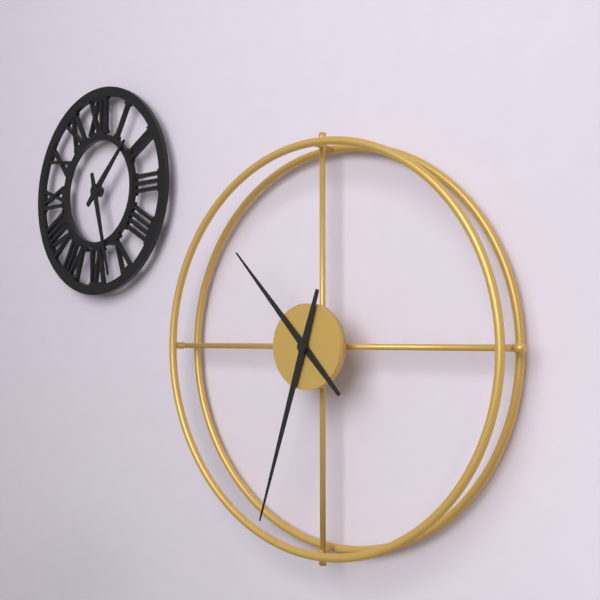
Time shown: **10:33**
